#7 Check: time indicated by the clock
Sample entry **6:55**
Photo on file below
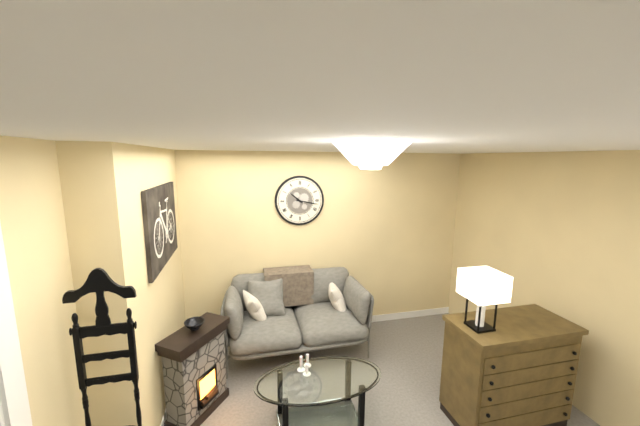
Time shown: **10:17**
